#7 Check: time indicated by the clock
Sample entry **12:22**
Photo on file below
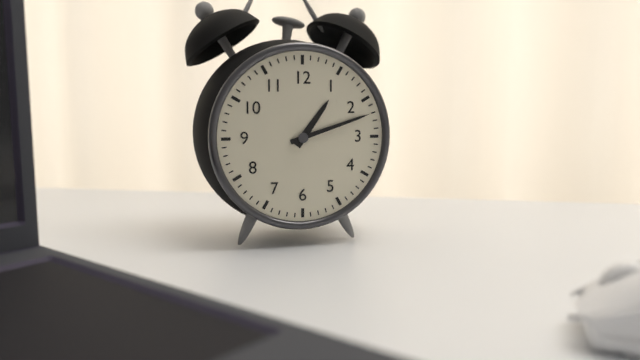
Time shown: **1:12**
